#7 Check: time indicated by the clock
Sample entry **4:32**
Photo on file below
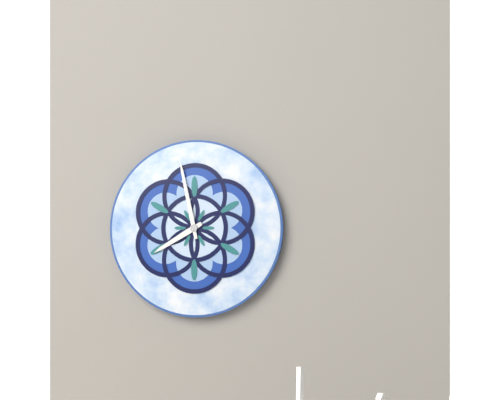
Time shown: **7:58**
